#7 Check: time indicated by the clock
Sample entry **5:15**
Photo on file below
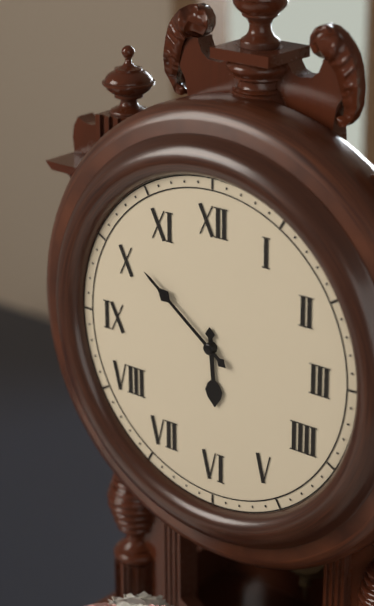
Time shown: **5:51**
